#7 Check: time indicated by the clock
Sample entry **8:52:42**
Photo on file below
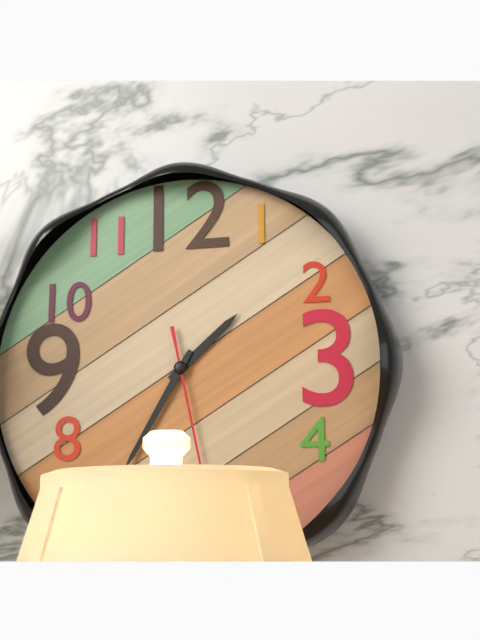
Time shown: **1:35:28**
